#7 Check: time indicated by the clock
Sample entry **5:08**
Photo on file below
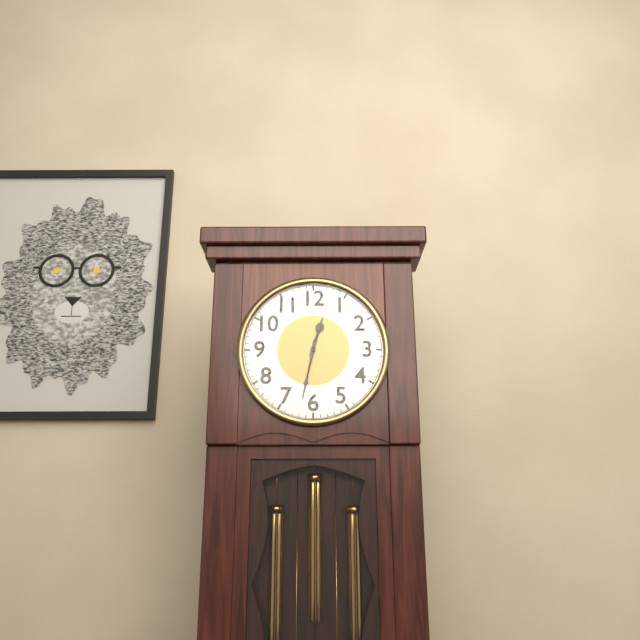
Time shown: **12:32**
